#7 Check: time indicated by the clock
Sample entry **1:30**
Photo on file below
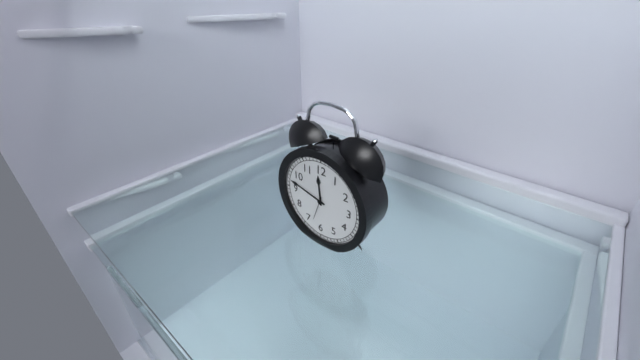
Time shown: **11:47**
